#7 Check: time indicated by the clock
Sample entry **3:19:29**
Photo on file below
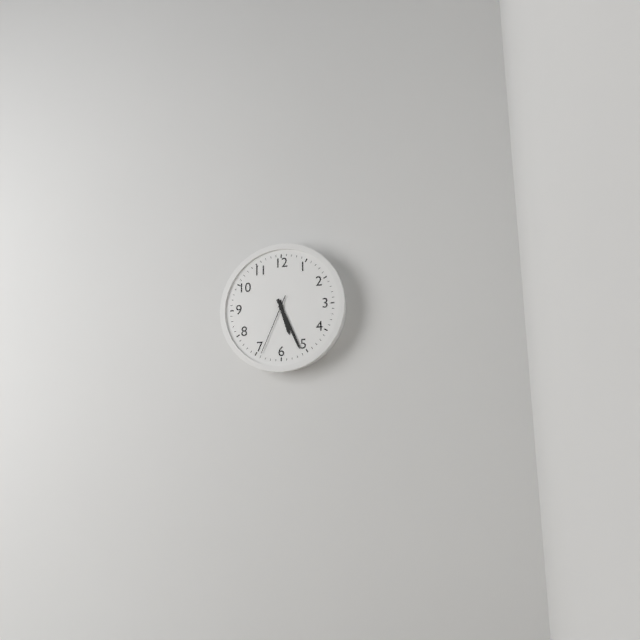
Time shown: **5:26:34**
